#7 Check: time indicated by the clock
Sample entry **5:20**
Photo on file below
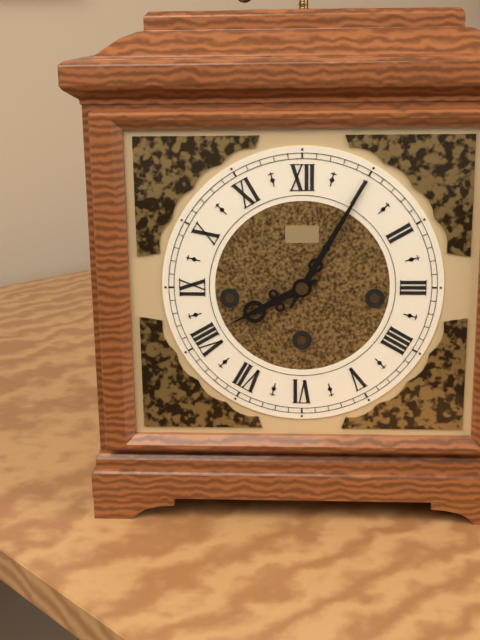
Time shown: **8:05**
